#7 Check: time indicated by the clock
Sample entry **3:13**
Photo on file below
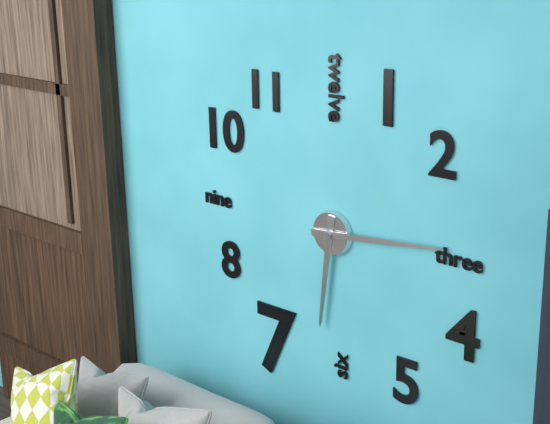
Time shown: **6:14**
